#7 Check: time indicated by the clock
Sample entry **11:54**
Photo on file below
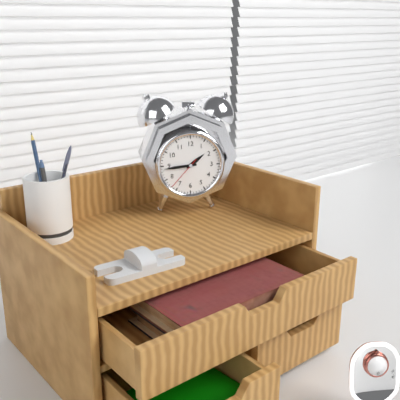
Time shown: **1:44**
